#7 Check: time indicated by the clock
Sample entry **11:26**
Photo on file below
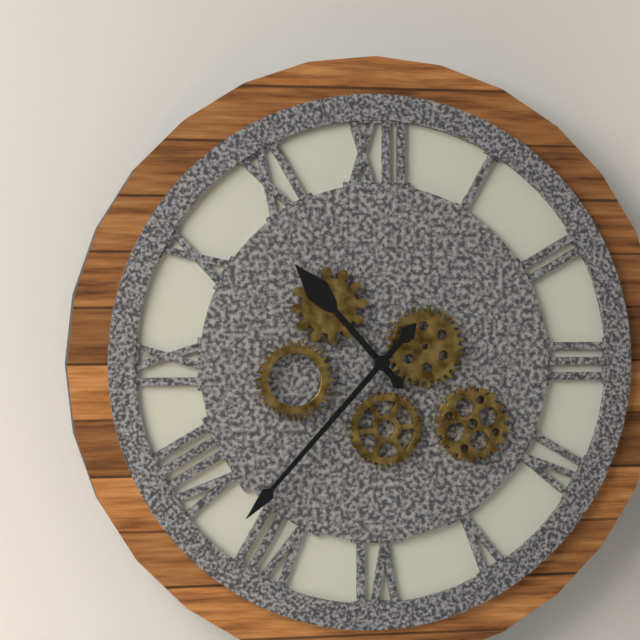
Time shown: **10:37**
